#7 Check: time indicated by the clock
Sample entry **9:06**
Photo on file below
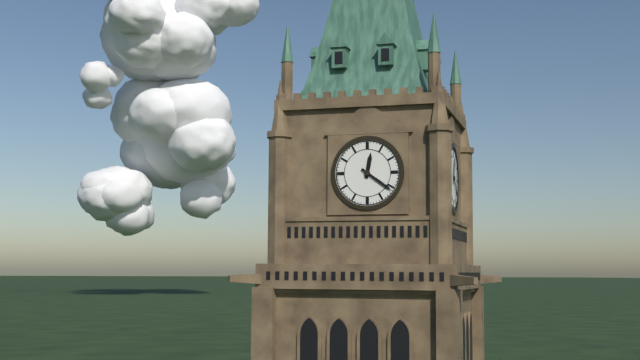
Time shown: **12:21**
